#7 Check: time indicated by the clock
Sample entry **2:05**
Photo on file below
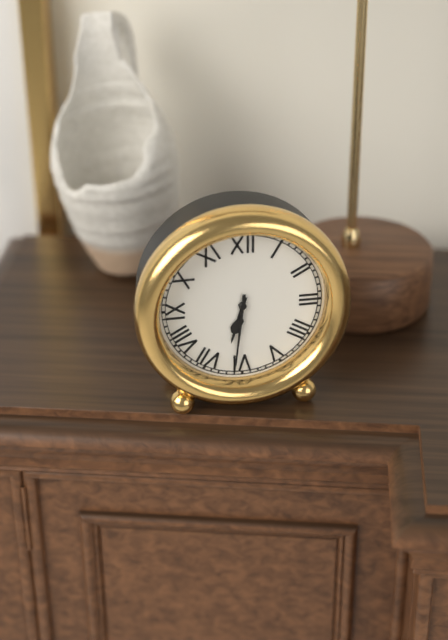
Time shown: **6:31**
